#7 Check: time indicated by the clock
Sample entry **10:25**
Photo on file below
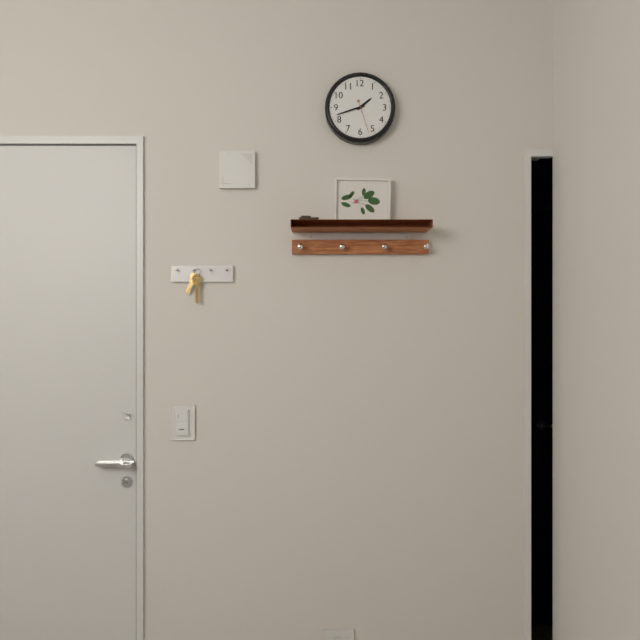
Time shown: **1:42**
